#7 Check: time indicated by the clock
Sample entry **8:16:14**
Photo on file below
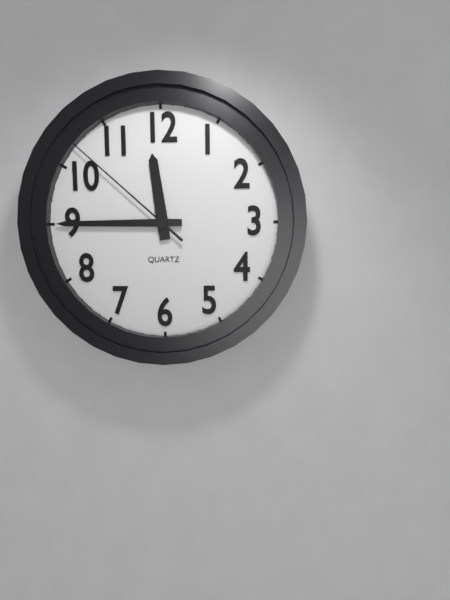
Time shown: **11:45:52**
